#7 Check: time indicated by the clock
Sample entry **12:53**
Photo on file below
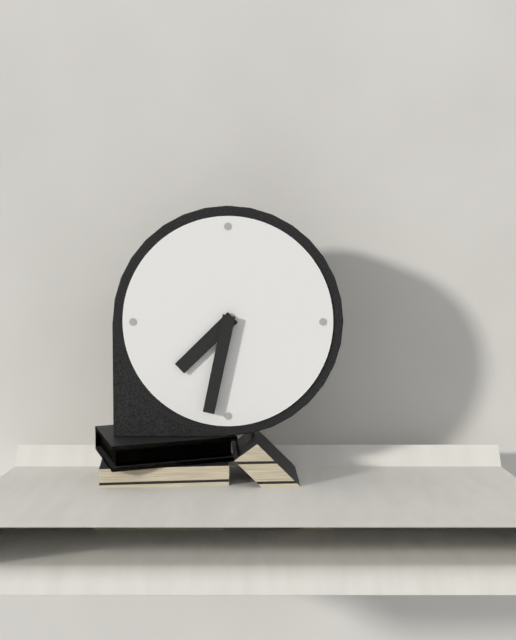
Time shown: **7:32**
